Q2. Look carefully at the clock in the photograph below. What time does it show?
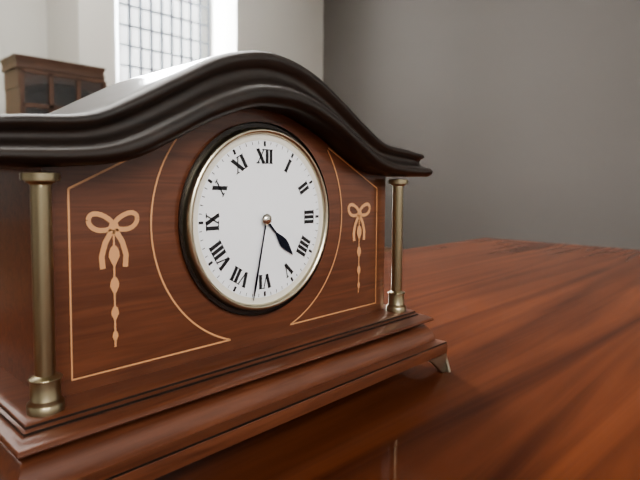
4:32
